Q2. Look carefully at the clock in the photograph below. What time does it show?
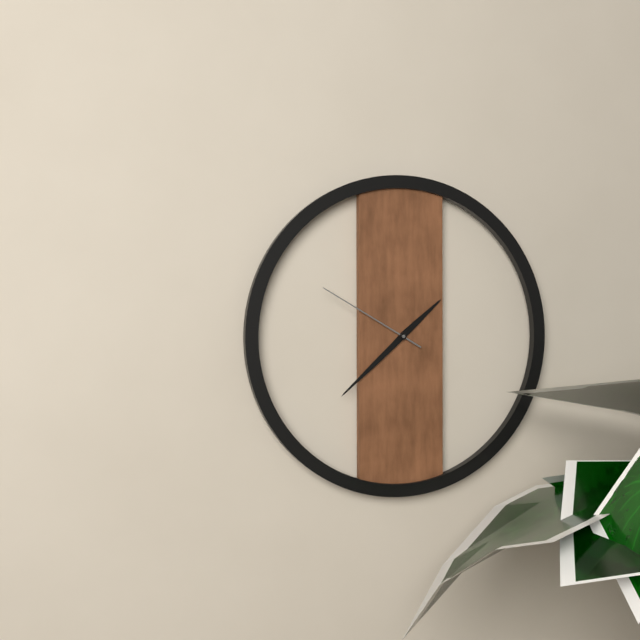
1:38:50
